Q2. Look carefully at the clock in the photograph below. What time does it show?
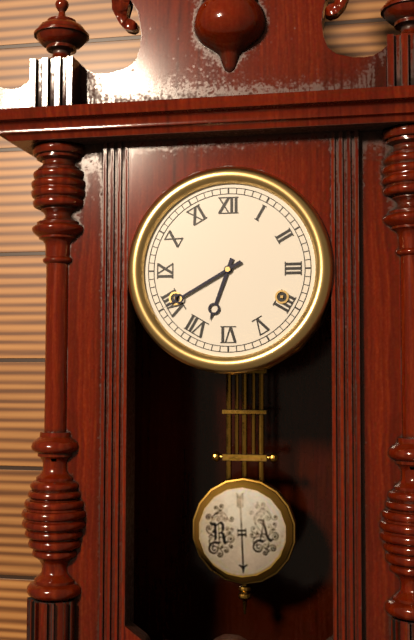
6:40
